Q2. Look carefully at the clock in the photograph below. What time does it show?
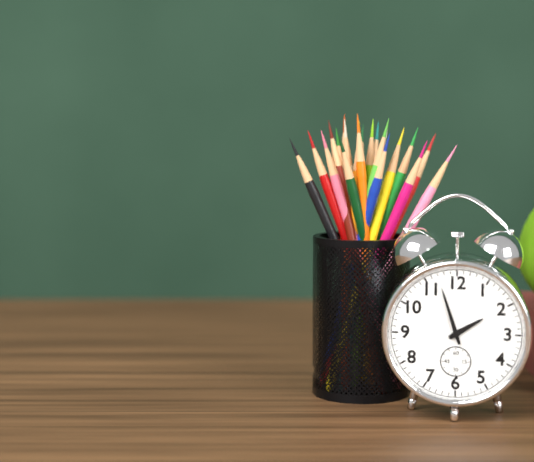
1:57
